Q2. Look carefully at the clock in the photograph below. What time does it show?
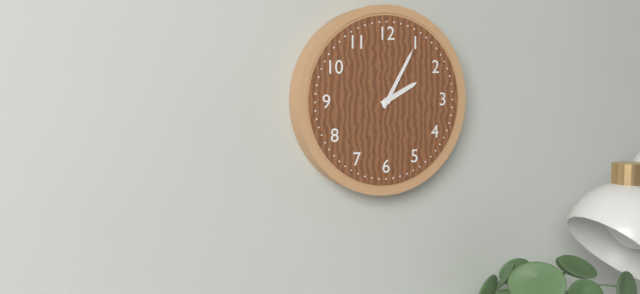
2:05
